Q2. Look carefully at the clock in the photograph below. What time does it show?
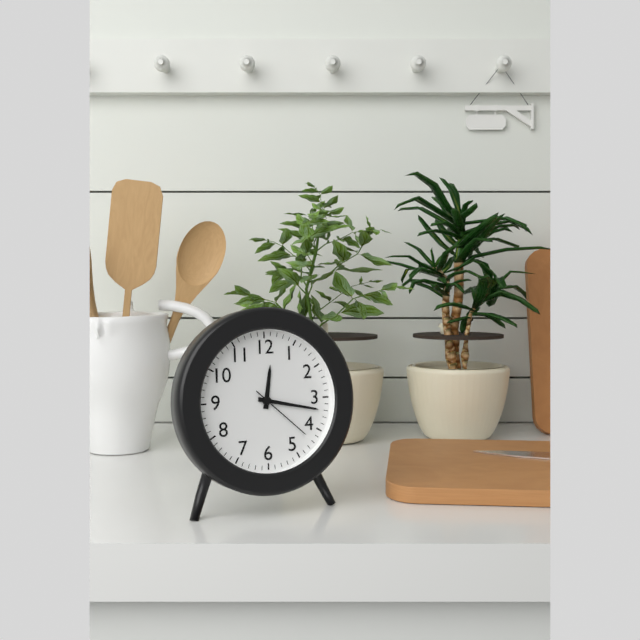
12:17:22
